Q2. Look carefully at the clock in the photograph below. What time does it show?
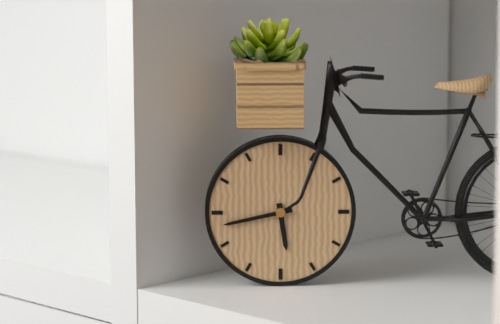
5:43
